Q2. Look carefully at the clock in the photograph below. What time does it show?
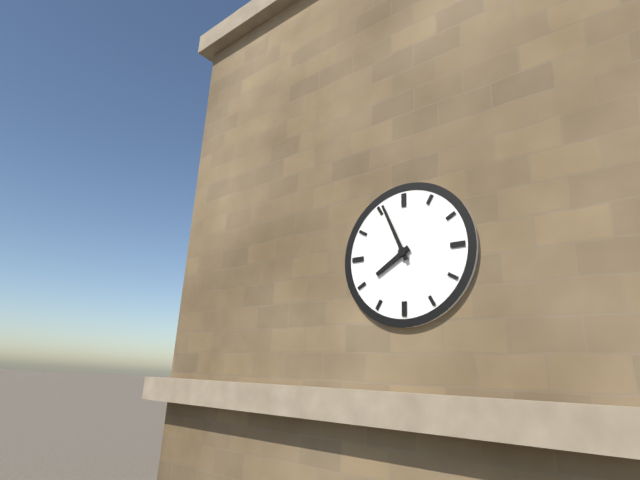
7:56
